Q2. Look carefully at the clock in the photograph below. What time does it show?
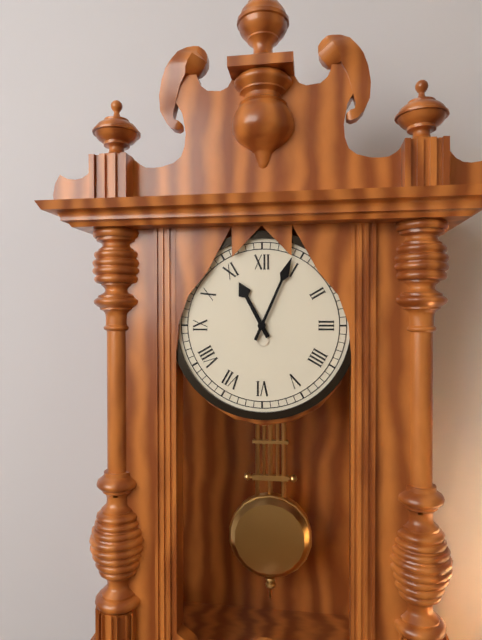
11:04
